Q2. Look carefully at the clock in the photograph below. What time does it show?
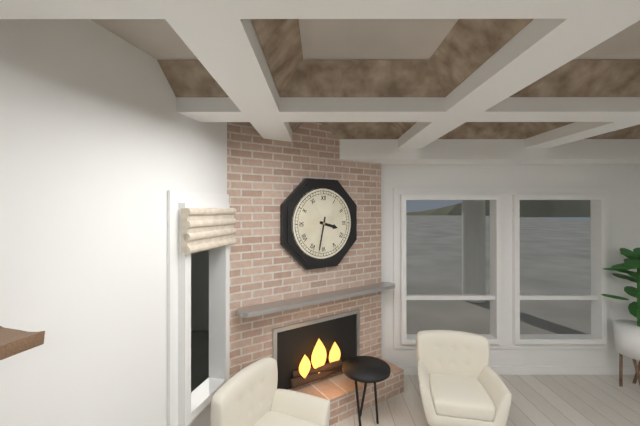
3:32
